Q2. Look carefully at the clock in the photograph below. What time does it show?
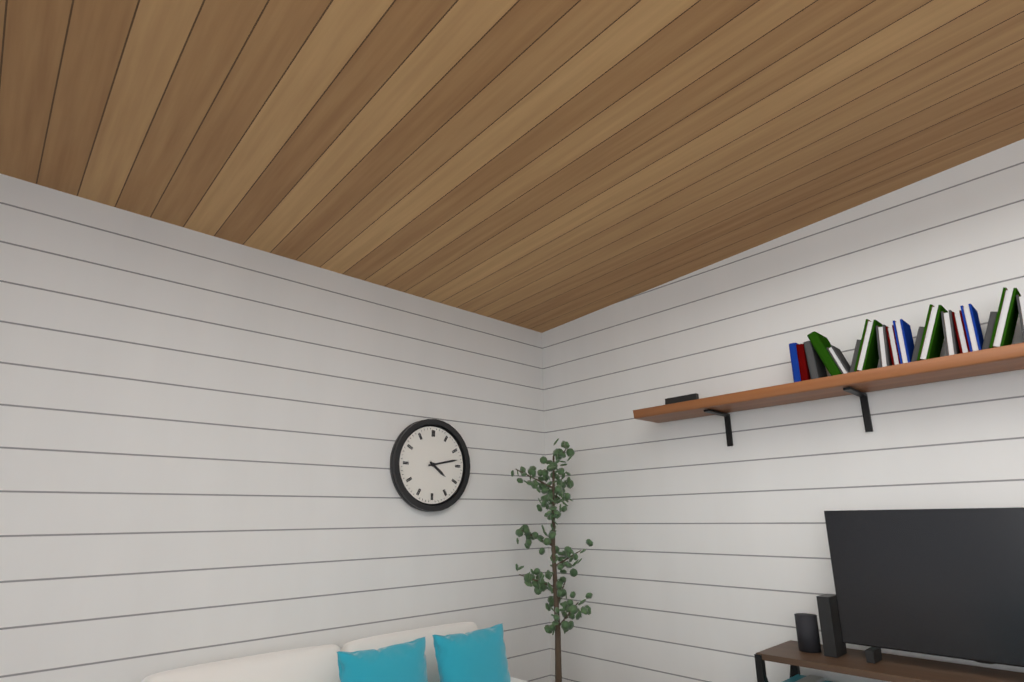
4:13
